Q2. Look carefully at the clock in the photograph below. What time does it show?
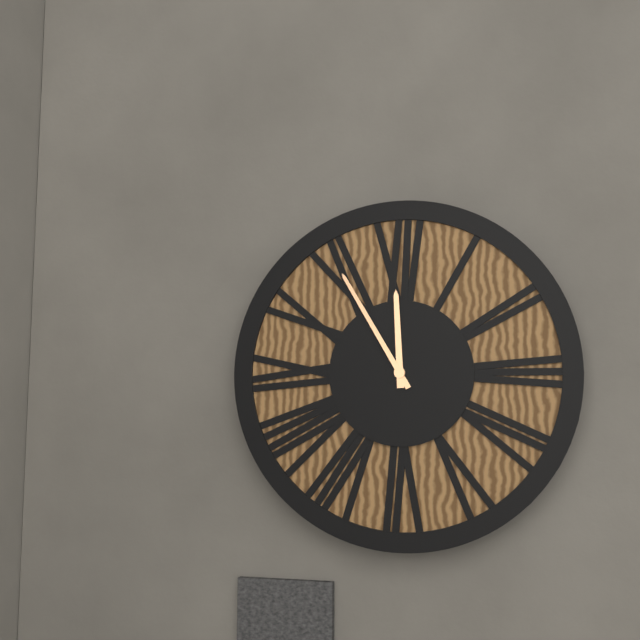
11:55
